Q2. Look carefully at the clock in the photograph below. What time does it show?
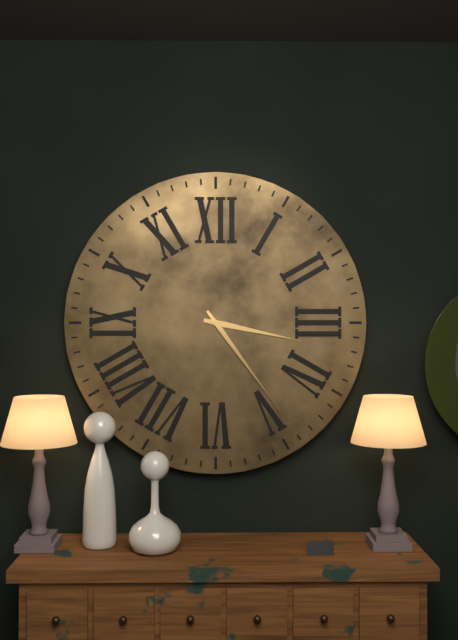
3:24
